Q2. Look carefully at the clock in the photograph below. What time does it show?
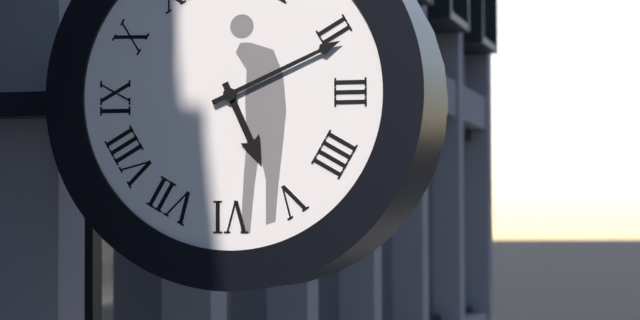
5:11
